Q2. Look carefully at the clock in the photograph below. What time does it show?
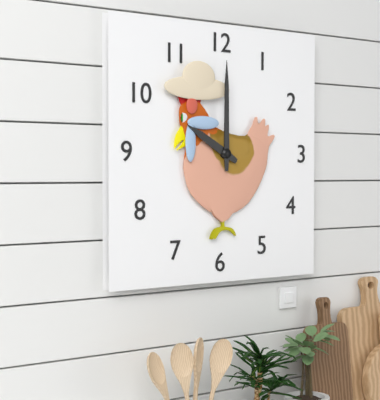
10:00
